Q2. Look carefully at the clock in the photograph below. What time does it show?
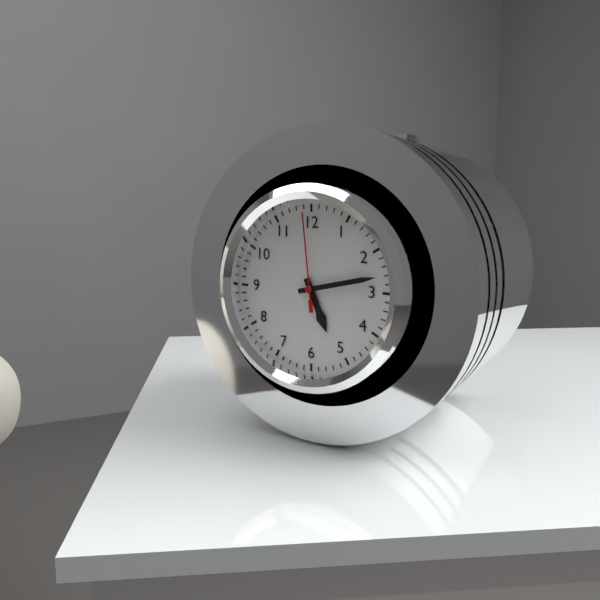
5:13:59
